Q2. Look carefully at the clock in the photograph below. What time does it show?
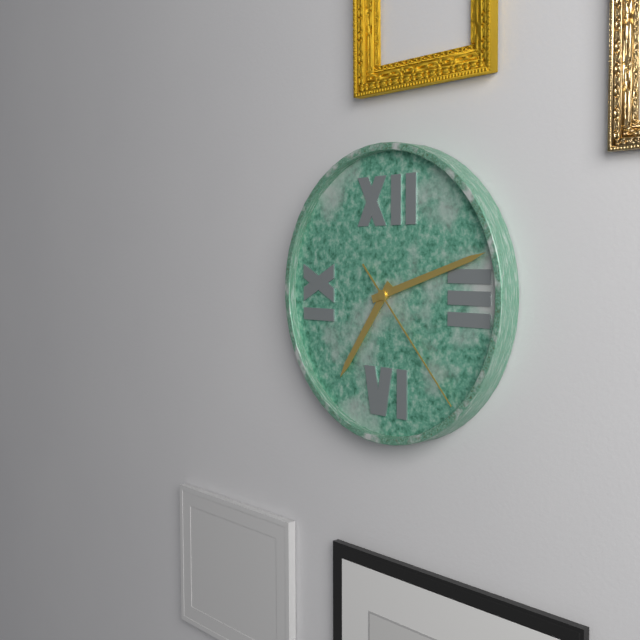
7:12:23
